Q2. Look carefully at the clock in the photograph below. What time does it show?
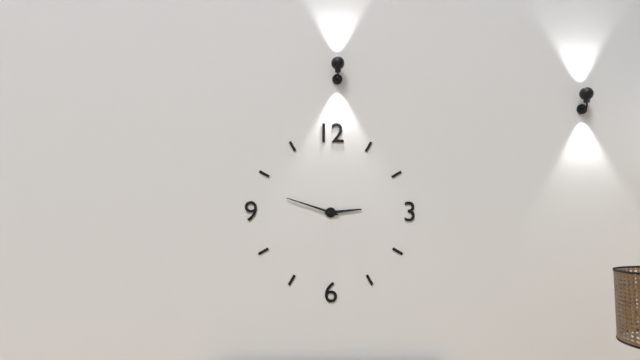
2:48
